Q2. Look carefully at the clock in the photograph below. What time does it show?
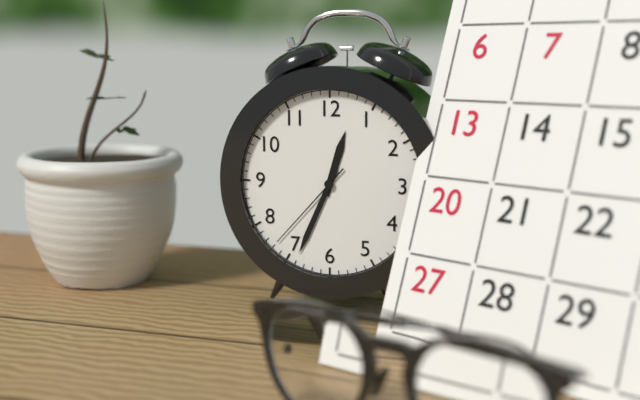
12:34:37
